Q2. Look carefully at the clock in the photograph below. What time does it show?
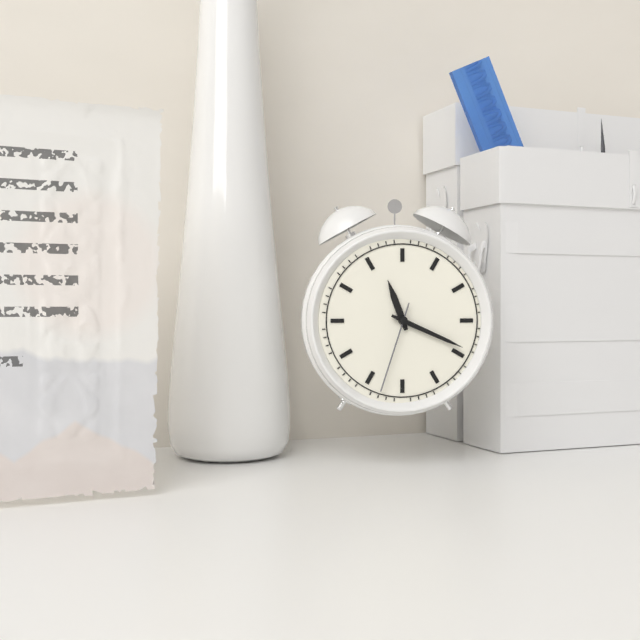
11:19:33
